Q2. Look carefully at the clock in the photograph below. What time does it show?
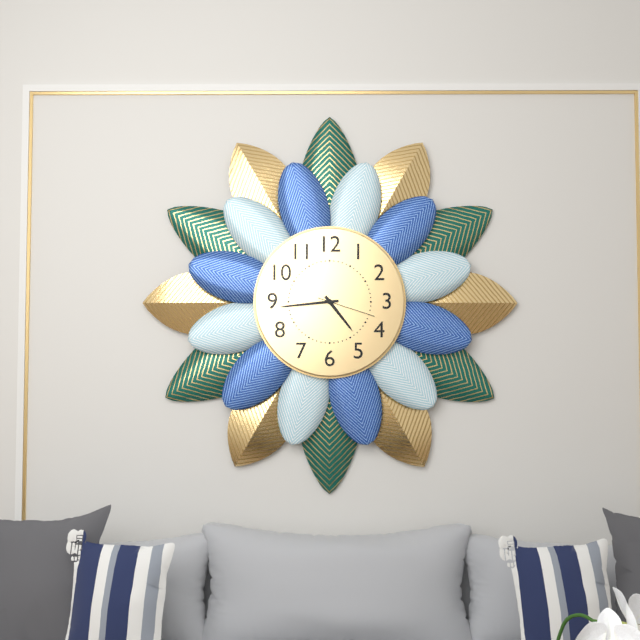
4:44:18
